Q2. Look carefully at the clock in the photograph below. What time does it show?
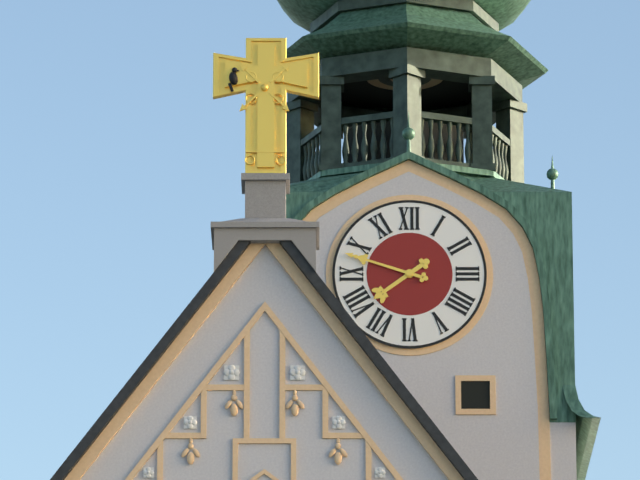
7:48
